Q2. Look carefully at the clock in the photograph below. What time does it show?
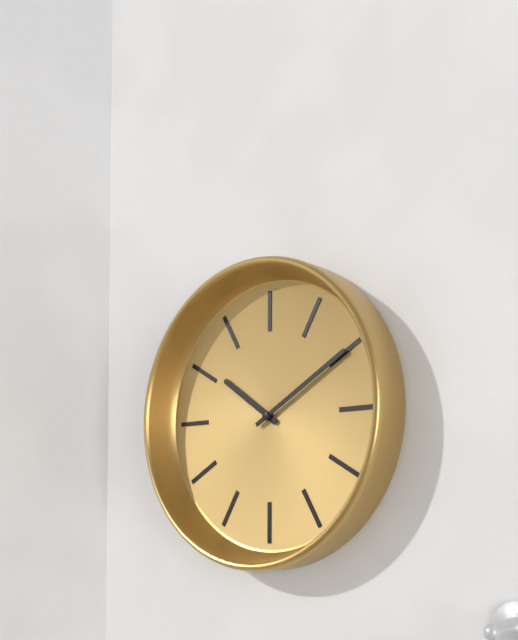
10:10
